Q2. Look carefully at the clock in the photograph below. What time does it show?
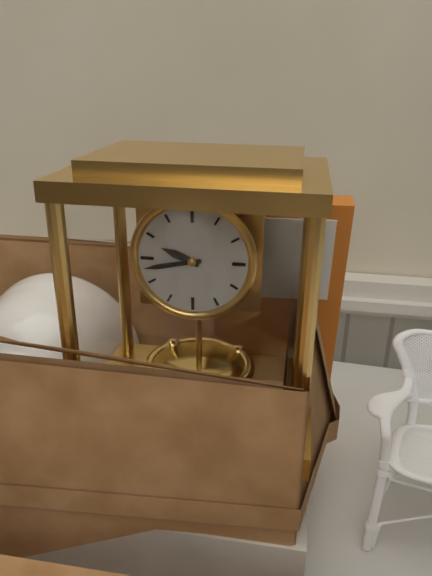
9:43
